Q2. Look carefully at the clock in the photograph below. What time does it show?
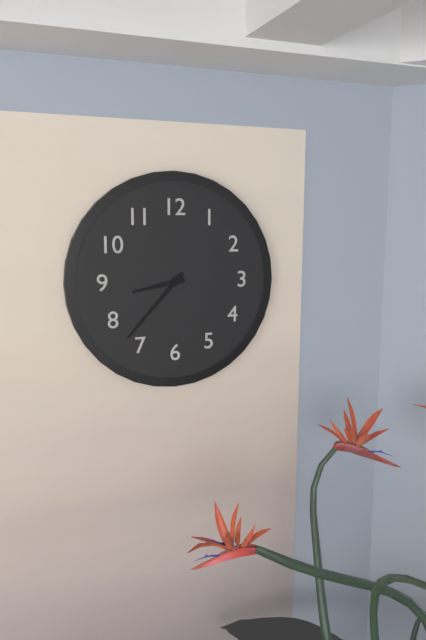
8:37
